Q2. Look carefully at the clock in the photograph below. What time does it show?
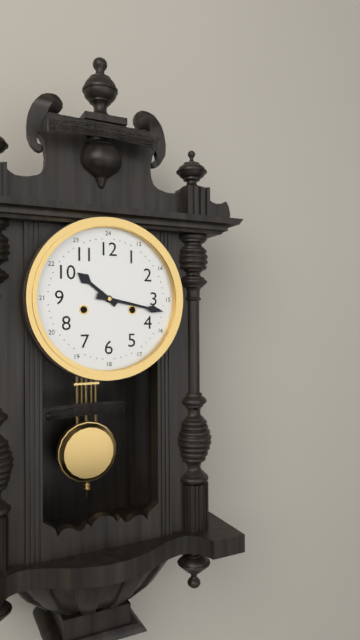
10:17
